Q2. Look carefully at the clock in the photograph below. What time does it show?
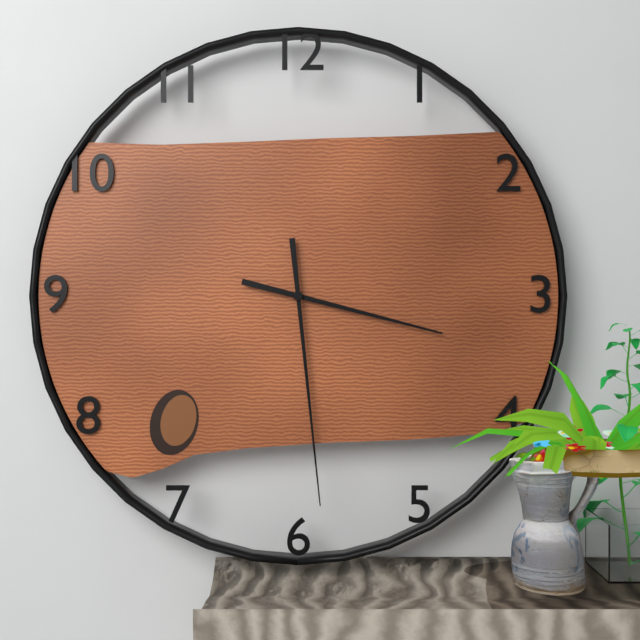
3:29
